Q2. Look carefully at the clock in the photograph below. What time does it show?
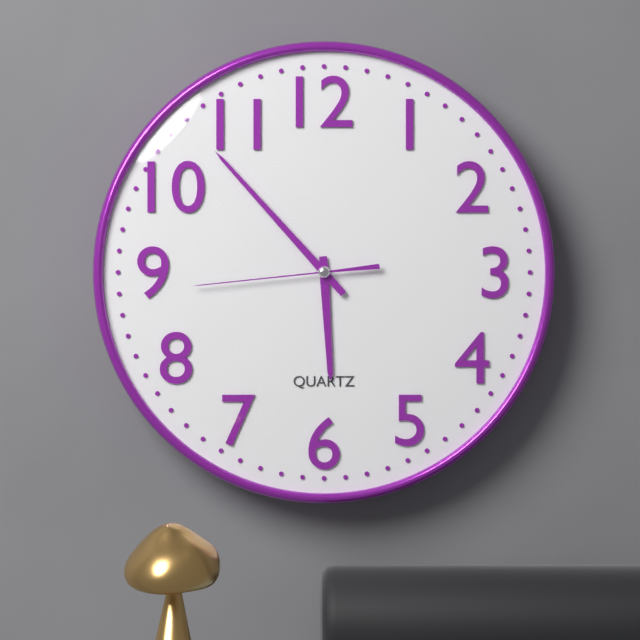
5:53:44
